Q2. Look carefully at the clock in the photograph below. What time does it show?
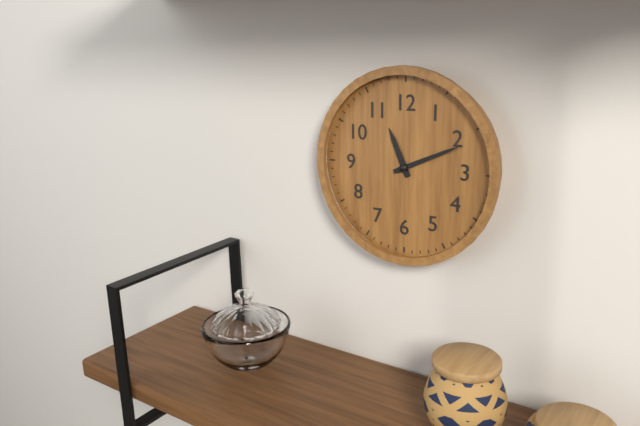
11:11
